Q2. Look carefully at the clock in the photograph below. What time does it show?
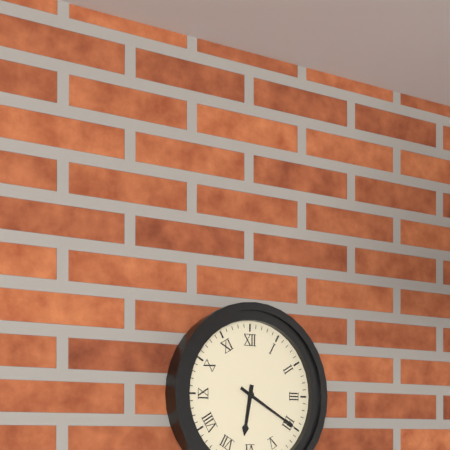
6:20
